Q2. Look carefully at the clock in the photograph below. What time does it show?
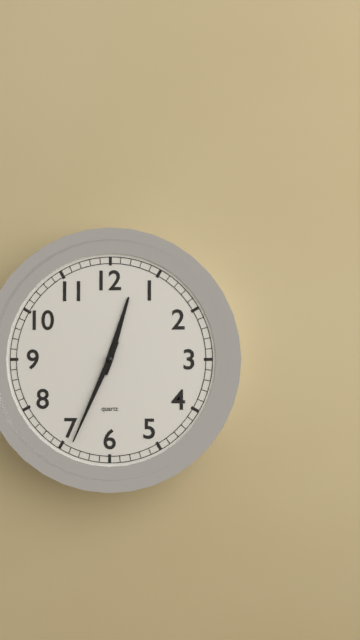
12:34
